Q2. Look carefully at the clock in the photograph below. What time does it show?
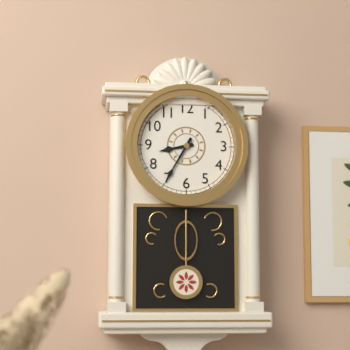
8:35
